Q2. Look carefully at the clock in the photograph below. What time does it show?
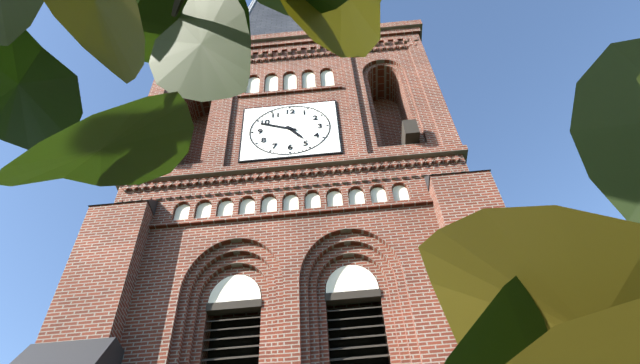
4:49
